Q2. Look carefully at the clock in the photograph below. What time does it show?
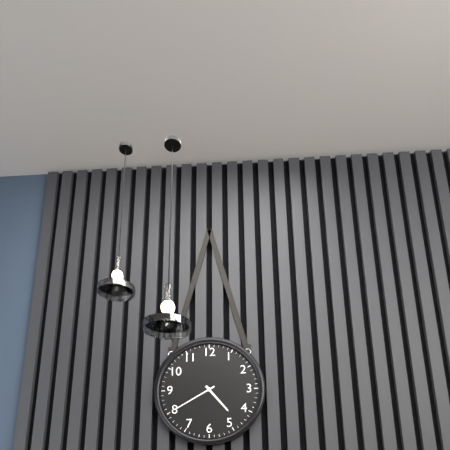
4:40
